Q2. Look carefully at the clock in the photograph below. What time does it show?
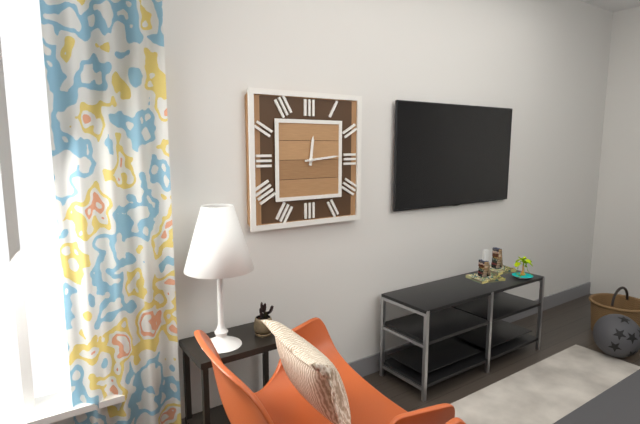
12:14
